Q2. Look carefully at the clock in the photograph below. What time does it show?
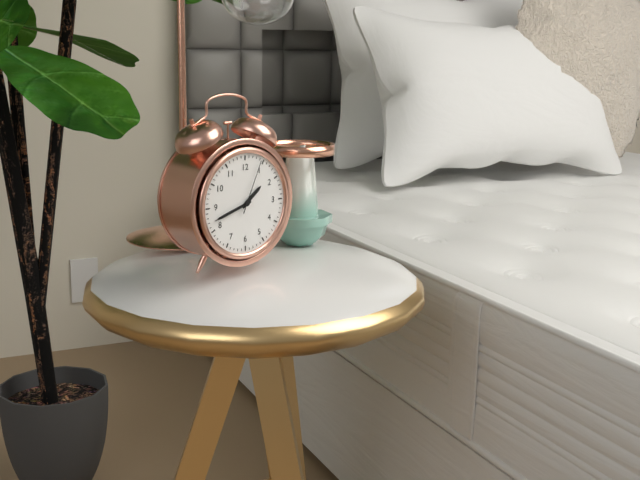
1:42:04
